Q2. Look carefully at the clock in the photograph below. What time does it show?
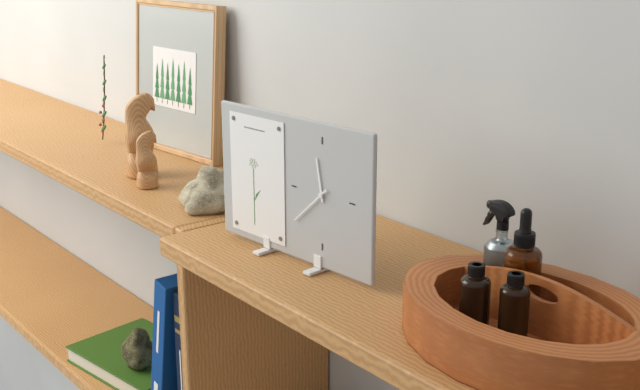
11:38
